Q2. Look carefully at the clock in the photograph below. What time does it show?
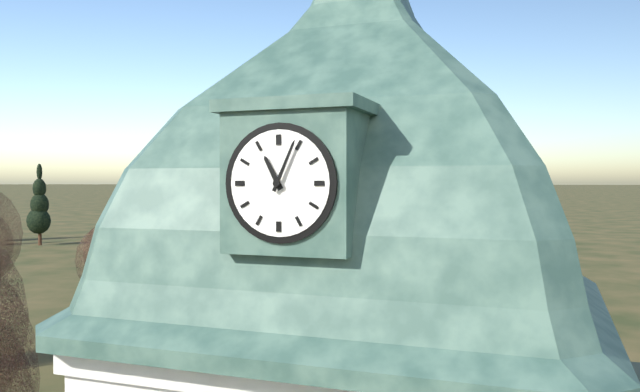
11:04
